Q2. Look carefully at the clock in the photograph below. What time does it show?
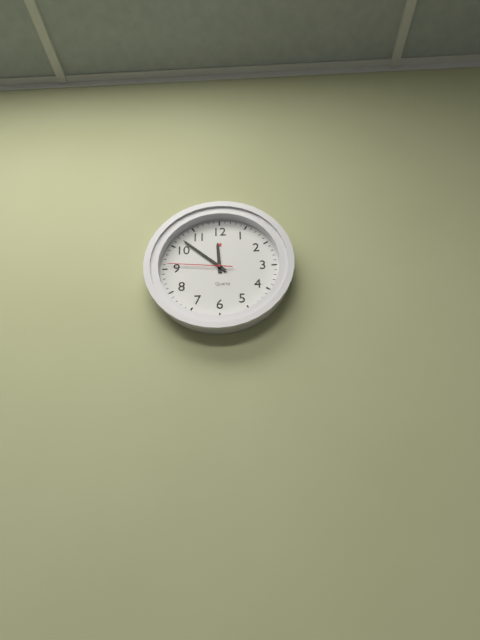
11:52:46
